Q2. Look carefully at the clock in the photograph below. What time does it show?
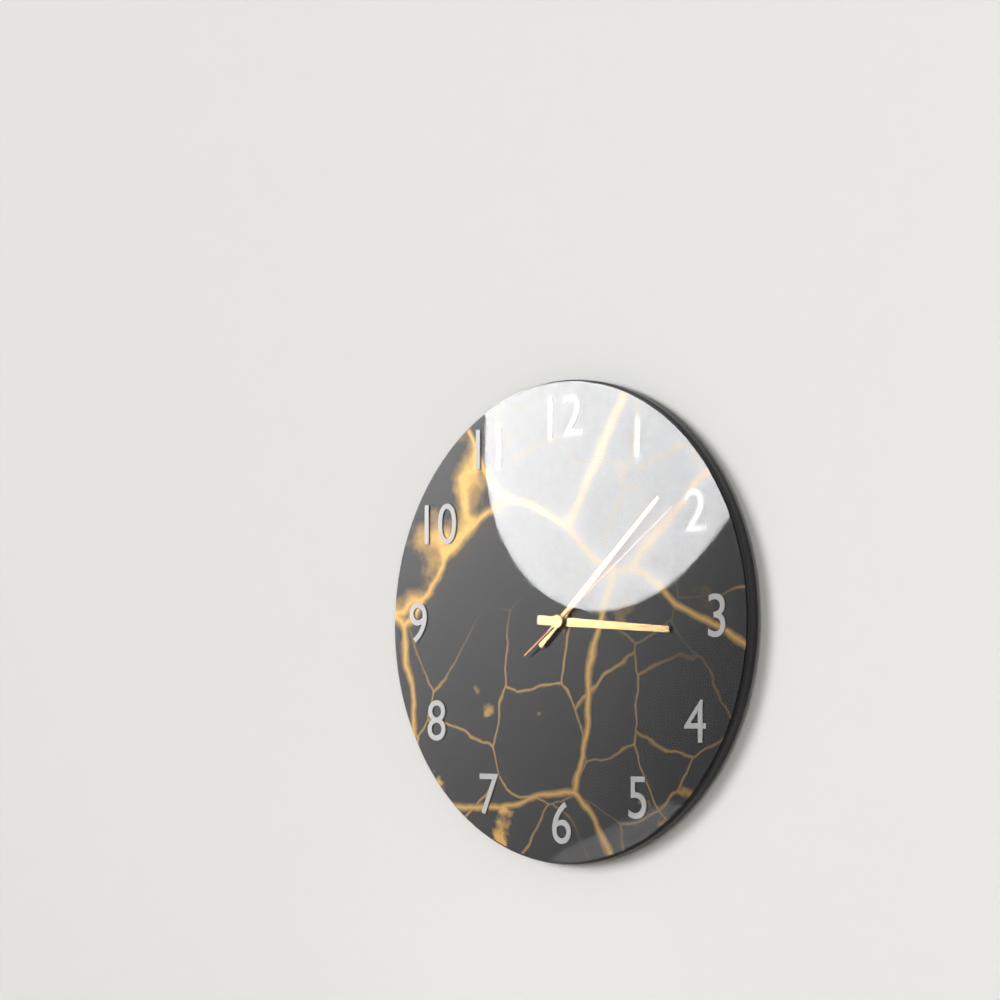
3:08:09
